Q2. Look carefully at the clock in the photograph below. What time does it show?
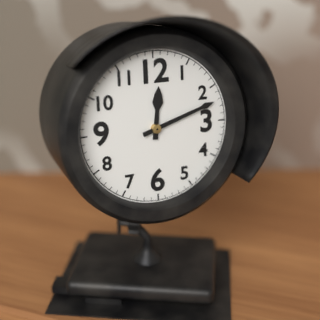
12:12
